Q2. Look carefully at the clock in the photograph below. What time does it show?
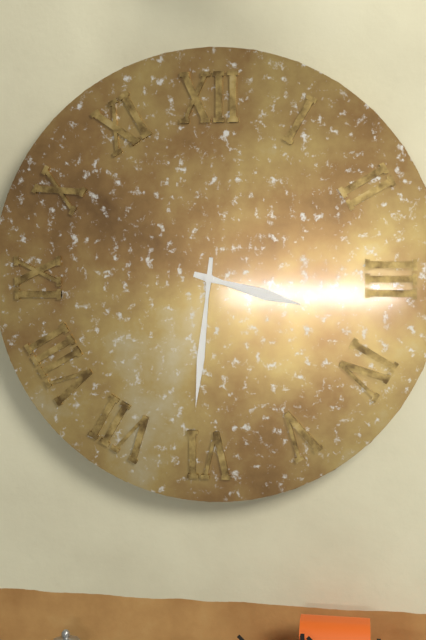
3:31
